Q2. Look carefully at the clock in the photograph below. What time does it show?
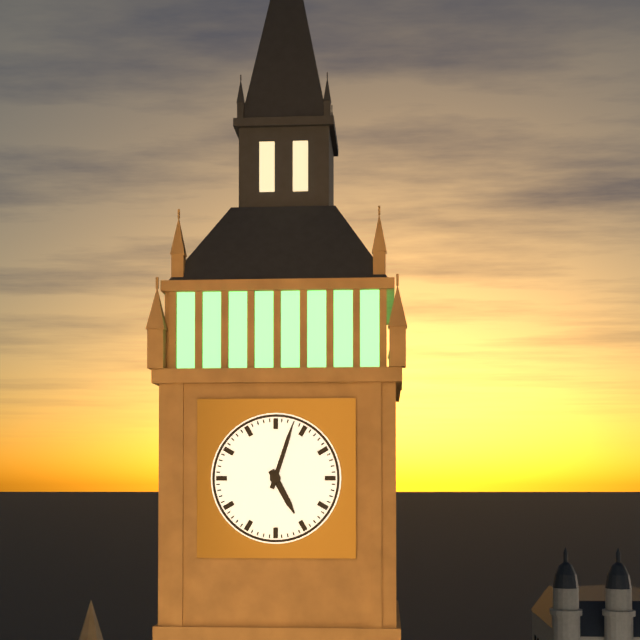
5:03
